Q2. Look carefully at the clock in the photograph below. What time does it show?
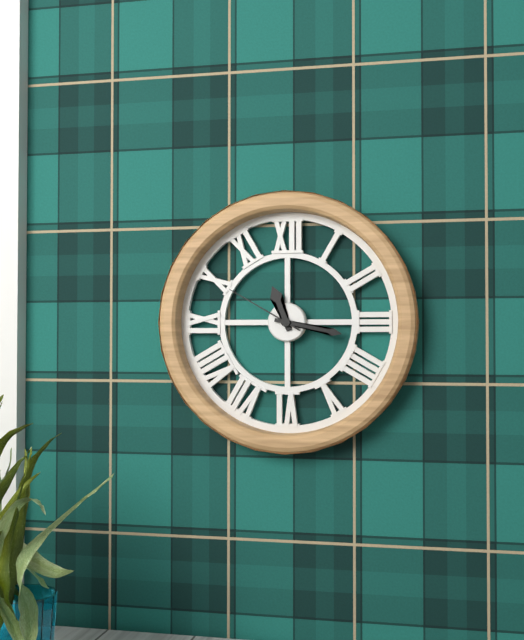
11:17:50
